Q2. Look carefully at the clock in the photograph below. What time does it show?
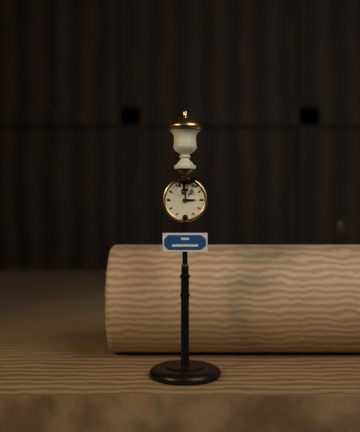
3:01
